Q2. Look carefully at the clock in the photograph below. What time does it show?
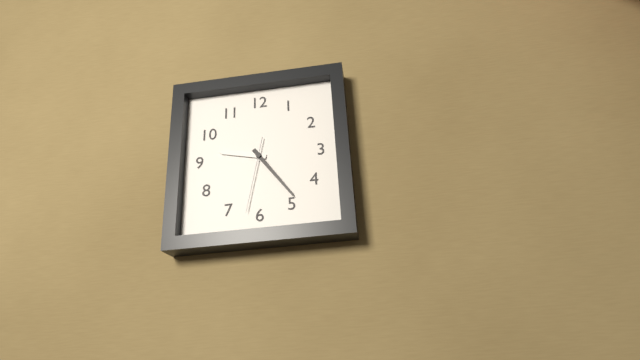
9:24:32
